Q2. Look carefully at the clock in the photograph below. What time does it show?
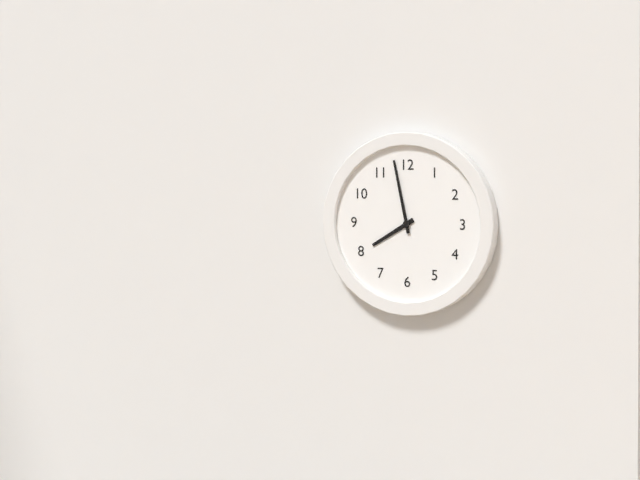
7:58
